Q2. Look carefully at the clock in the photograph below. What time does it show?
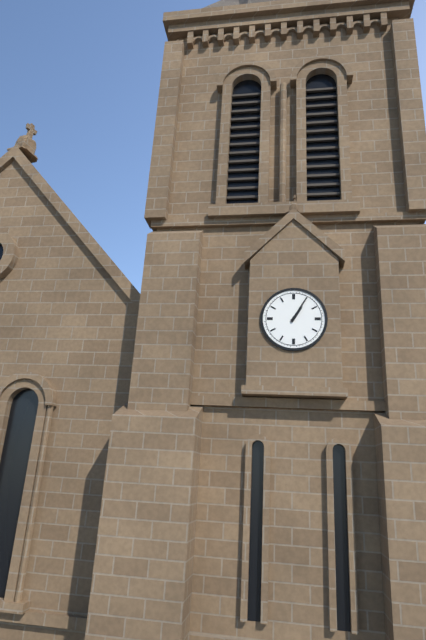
1:05
